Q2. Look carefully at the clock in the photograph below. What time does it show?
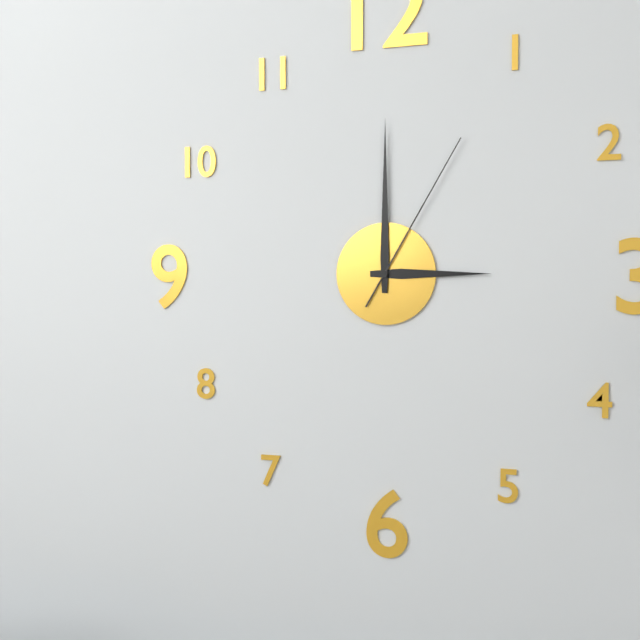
3:00:05
